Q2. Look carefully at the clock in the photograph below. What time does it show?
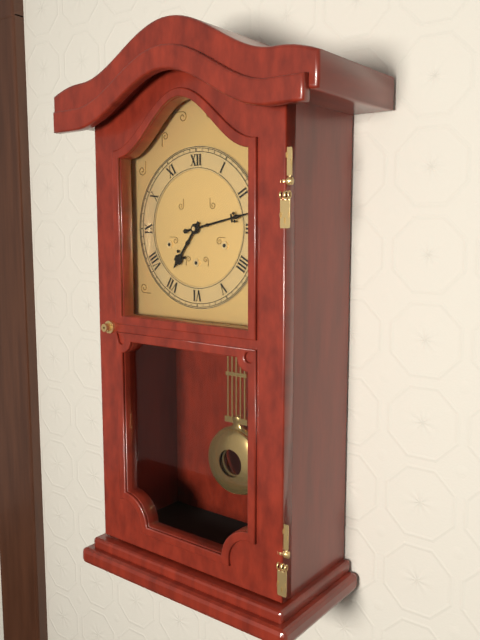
7:13
